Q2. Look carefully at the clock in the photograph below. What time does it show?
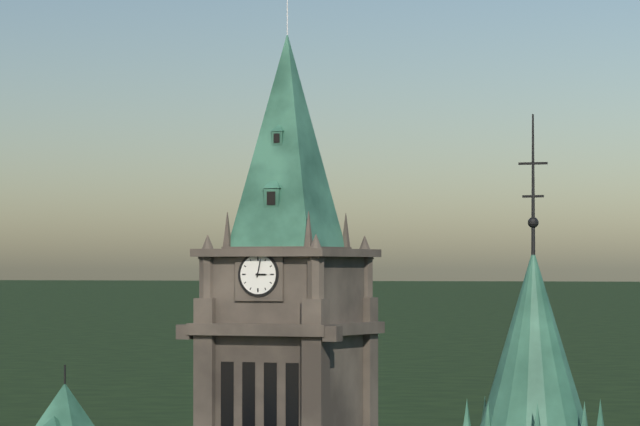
3:02
